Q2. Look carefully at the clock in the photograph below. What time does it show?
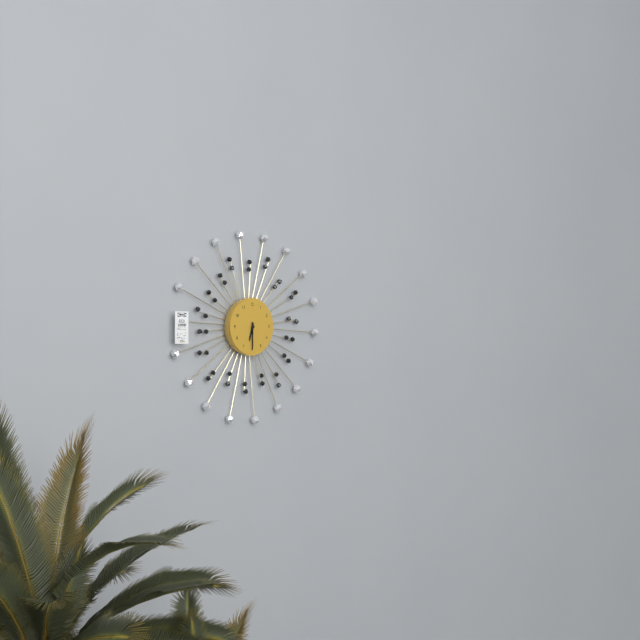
6:30
